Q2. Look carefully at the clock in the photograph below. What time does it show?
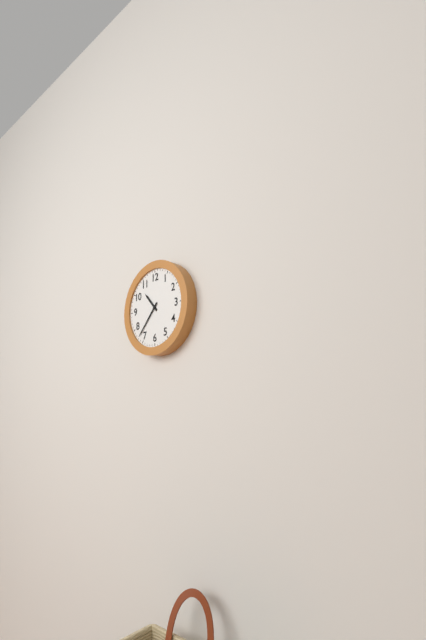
10:37
